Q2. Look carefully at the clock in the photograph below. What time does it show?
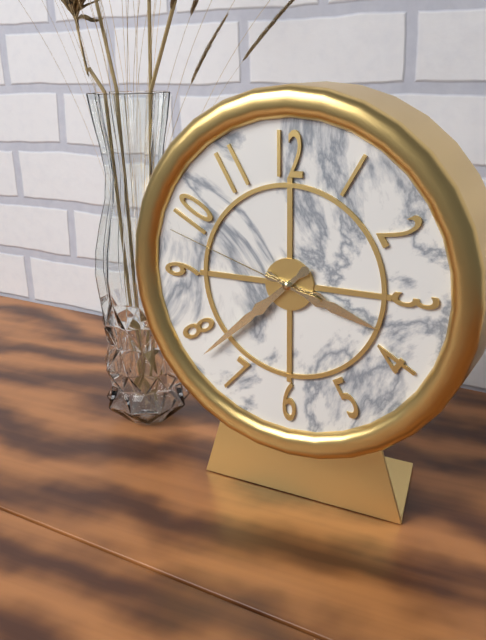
3:38:48
